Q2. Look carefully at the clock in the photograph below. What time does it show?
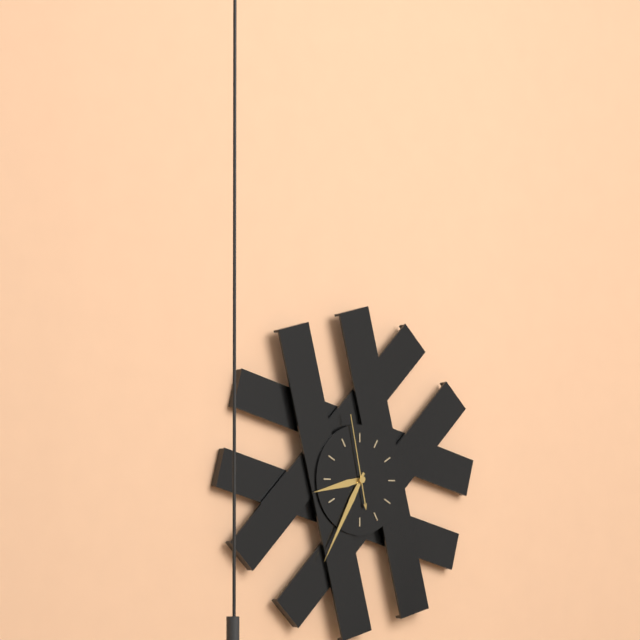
8:35:58
